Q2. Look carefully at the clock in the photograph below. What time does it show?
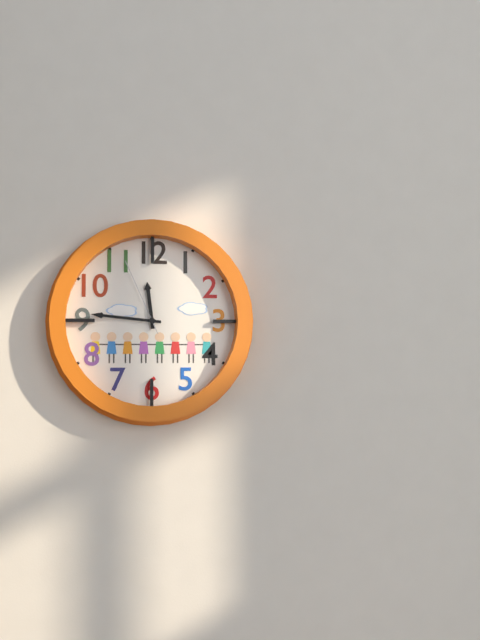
11:46:56
